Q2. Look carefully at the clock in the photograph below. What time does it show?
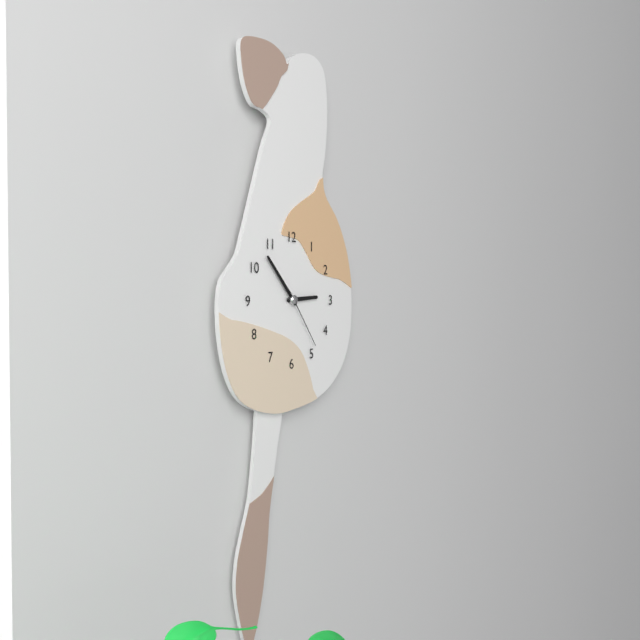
2:53:24
